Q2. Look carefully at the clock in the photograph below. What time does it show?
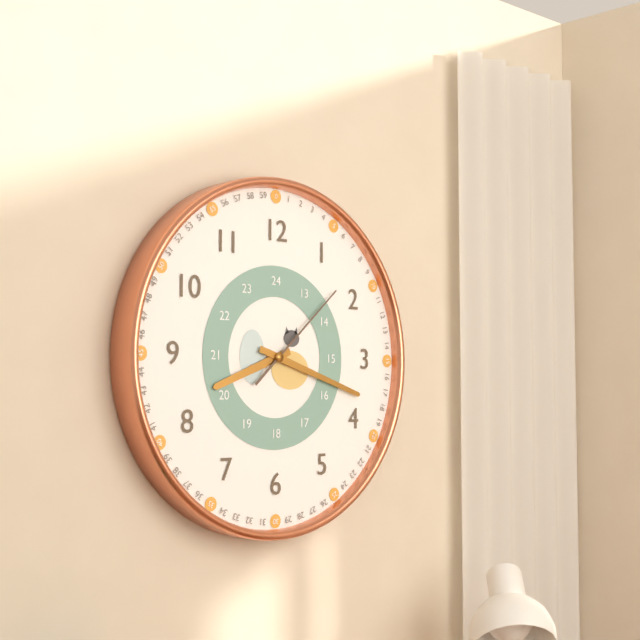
8:18:08
